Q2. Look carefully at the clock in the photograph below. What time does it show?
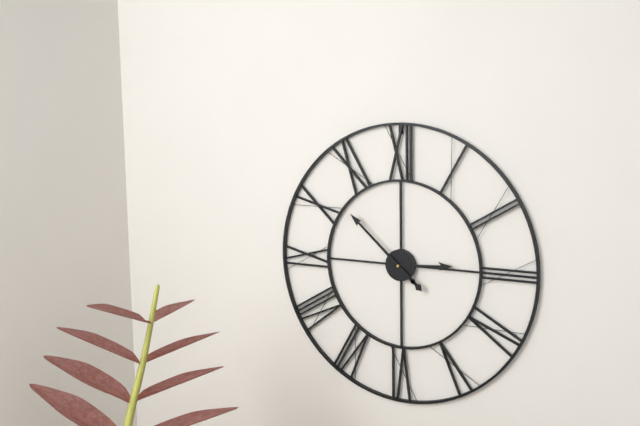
2:52
